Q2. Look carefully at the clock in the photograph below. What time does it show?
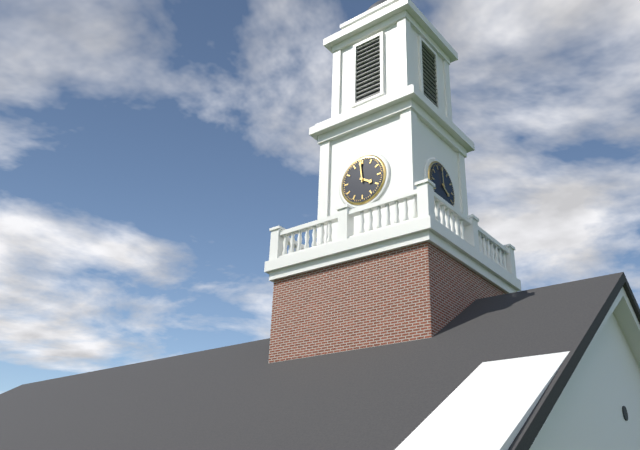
3:59
